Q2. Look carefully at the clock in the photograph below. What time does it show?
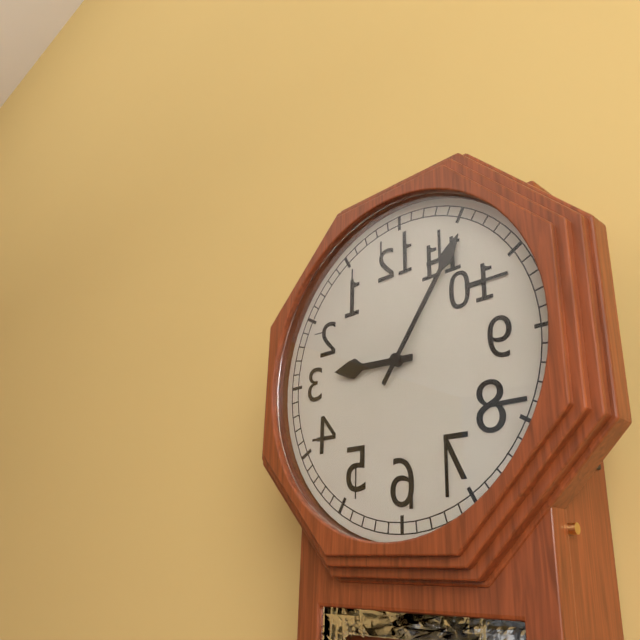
9:06
